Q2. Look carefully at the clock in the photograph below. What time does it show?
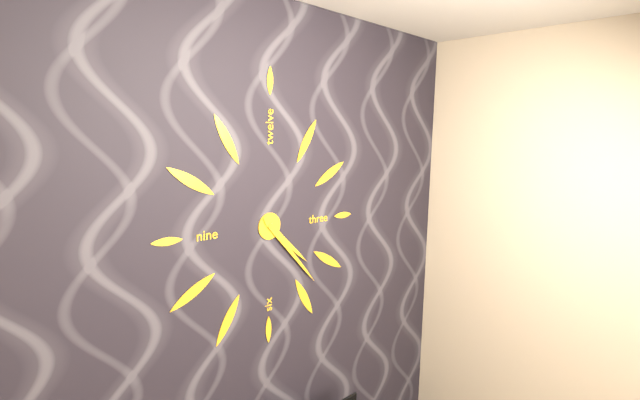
4:23
